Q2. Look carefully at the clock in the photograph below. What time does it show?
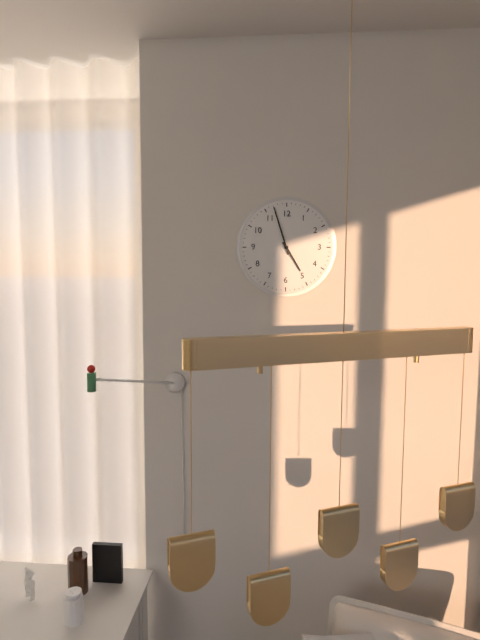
4:57
